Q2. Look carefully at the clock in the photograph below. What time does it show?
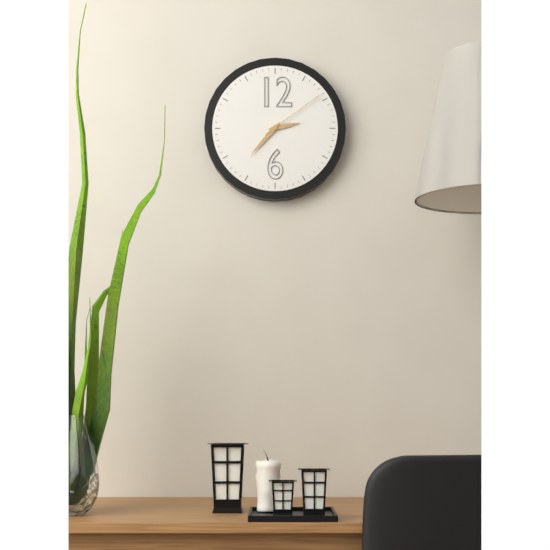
2:37:09
